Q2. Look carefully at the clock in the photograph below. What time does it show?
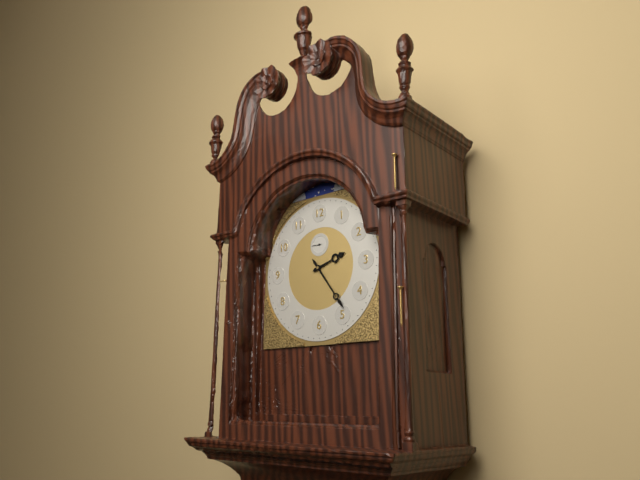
2:24
